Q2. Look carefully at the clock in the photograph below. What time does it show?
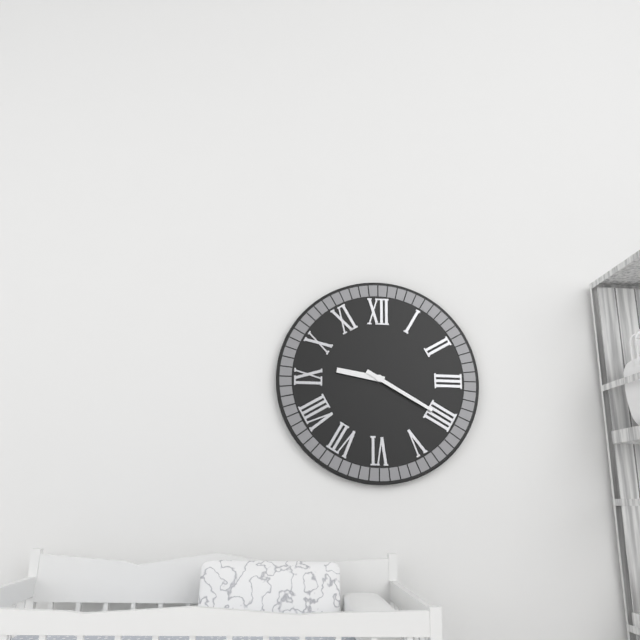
9:20
